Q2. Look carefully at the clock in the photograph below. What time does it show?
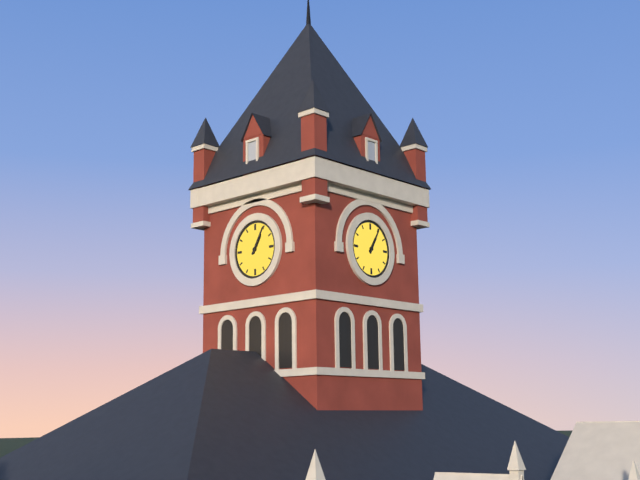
1:05
